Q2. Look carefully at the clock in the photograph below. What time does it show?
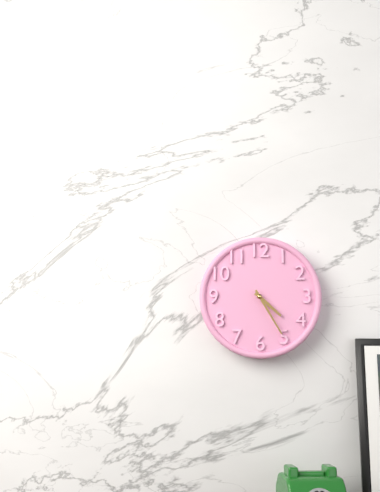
4:25
